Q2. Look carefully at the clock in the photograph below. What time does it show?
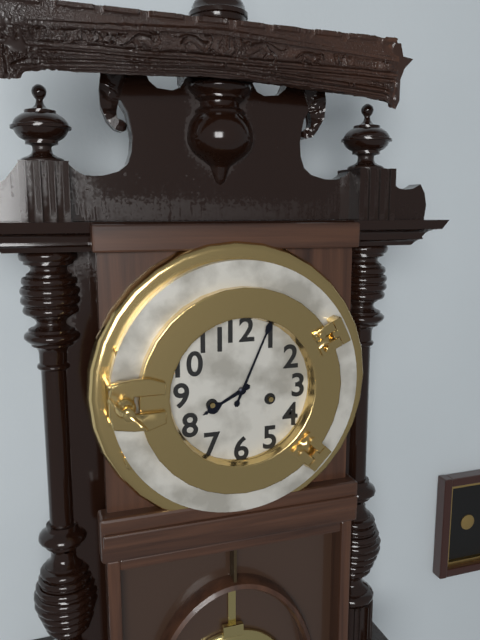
8:04
